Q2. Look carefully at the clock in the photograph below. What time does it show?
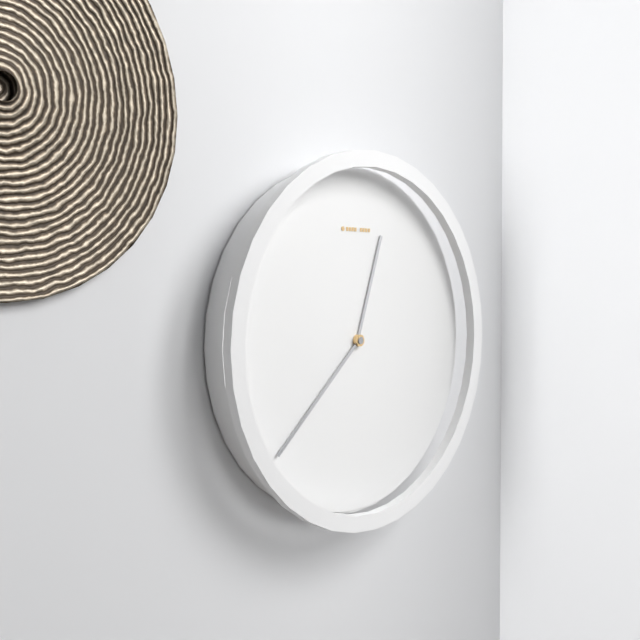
12:38
